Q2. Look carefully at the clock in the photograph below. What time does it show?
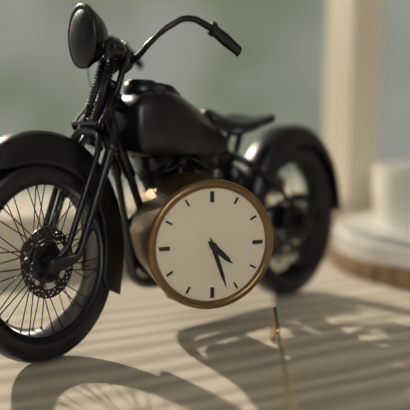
4:27
